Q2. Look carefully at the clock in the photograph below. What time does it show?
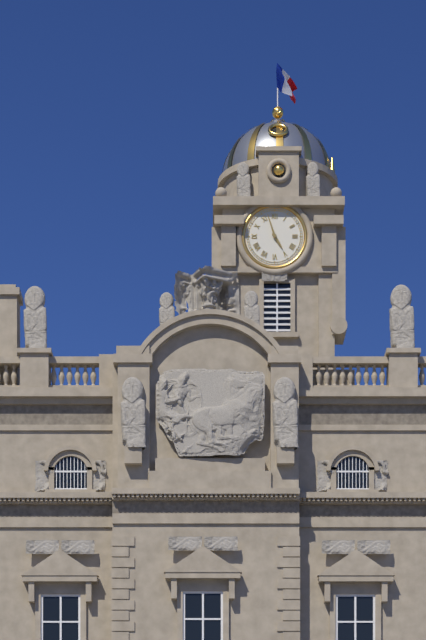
4:57
